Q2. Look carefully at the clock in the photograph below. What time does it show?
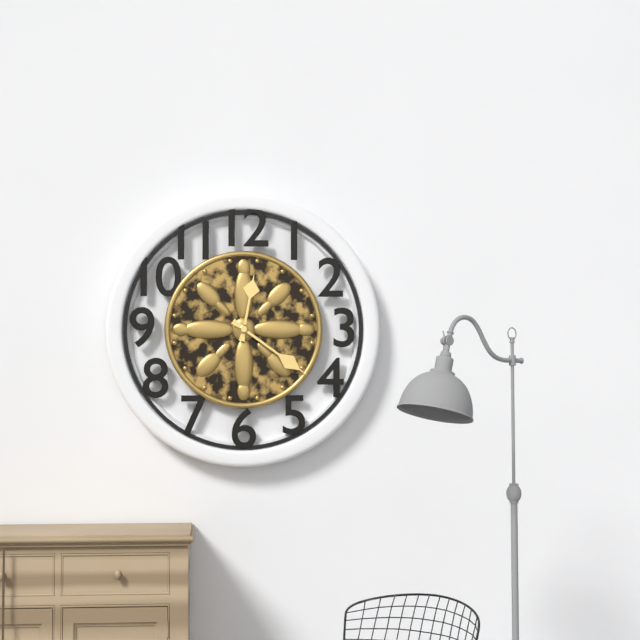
12:21
